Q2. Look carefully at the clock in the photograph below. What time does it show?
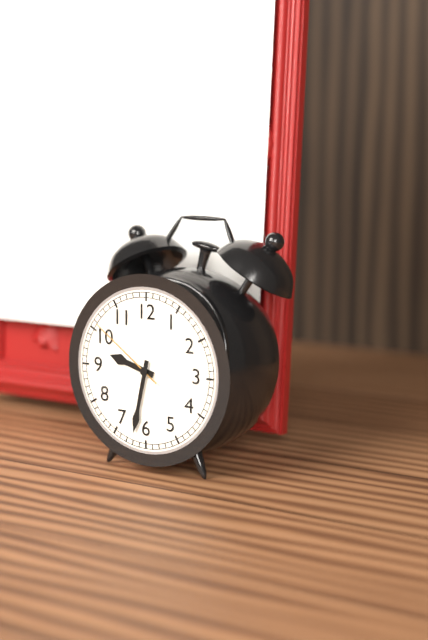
9:32:51
